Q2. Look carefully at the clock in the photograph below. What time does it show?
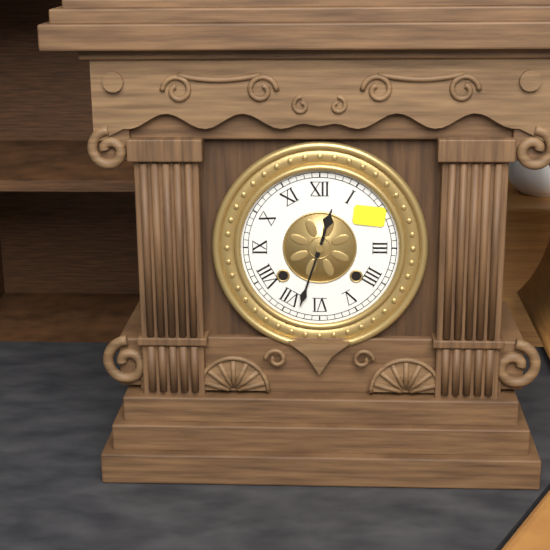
12:33
